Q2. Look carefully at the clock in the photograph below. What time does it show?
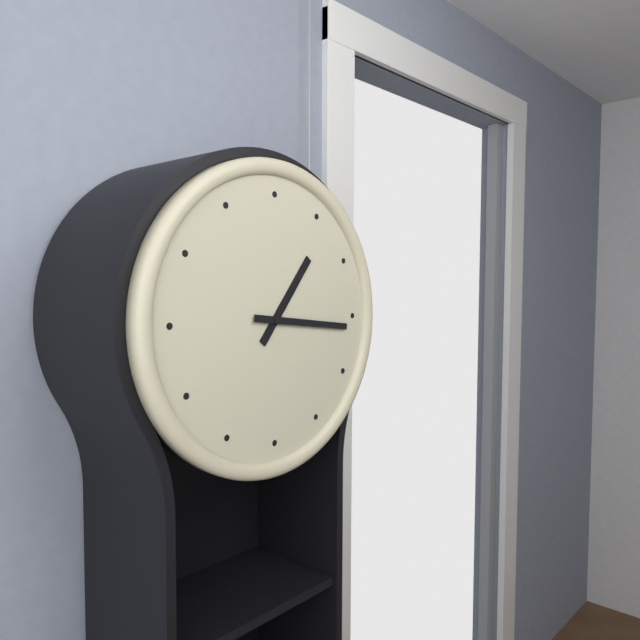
1:16
